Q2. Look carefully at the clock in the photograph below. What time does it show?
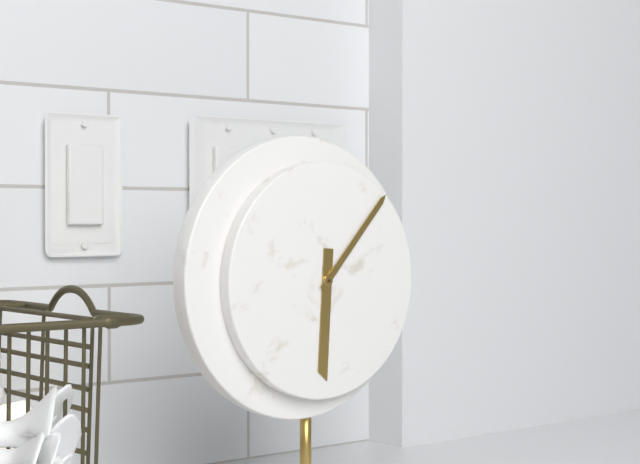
6:07
